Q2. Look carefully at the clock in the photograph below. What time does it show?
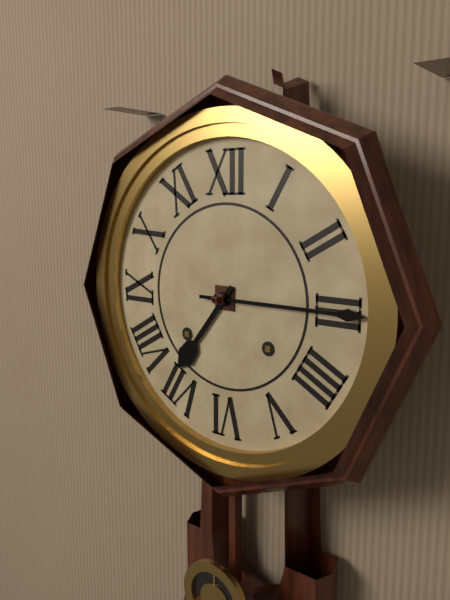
7:15
